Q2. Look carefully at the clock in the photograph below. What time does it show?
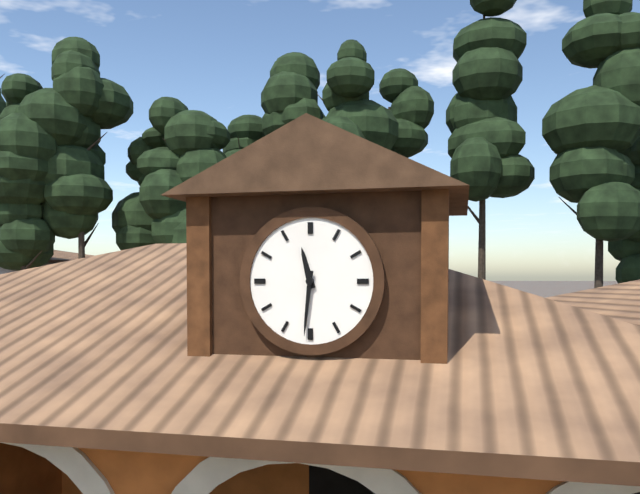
11:31
